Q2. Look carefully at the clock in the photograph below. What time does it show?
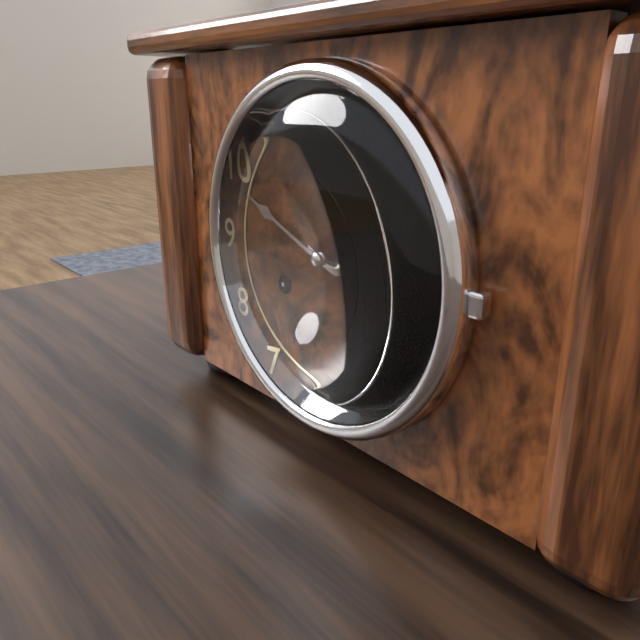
3:49
